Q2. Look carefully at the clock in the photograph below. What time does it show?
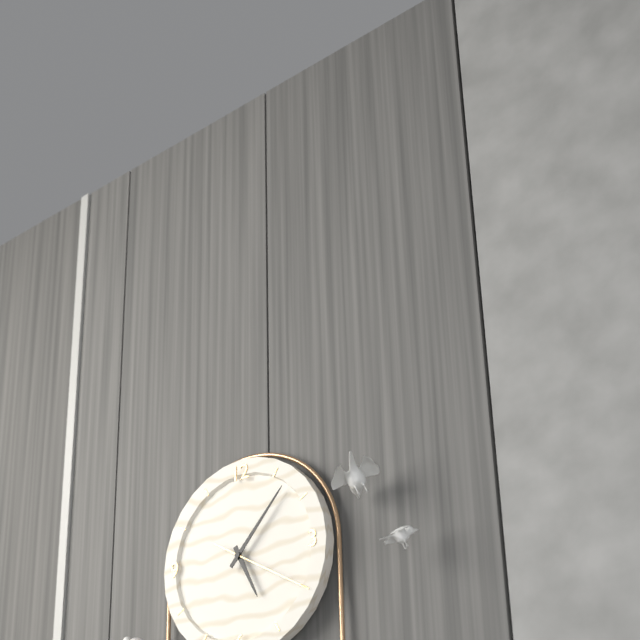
5:07:20
